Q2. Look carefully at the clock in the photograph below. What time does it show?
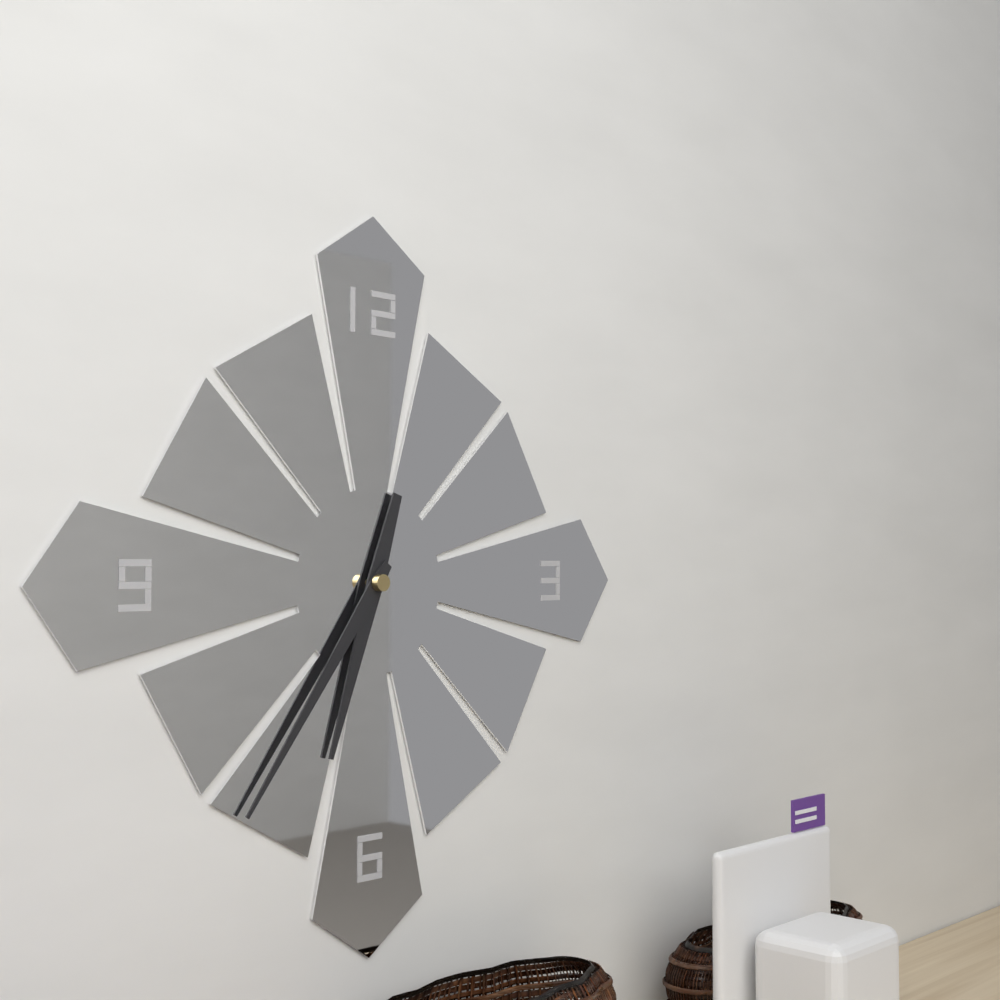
6:36
